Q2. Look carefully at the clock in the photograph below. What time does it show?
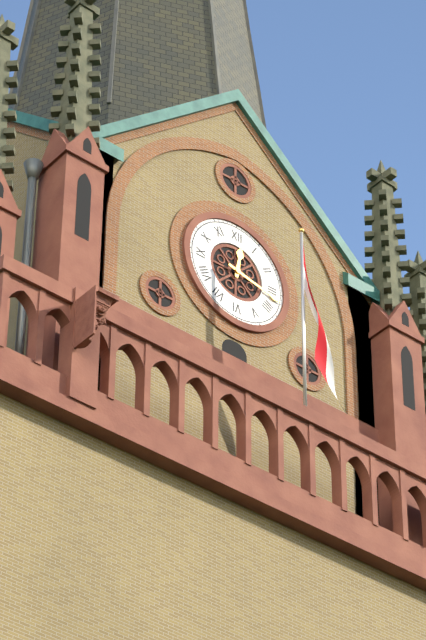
12:17
